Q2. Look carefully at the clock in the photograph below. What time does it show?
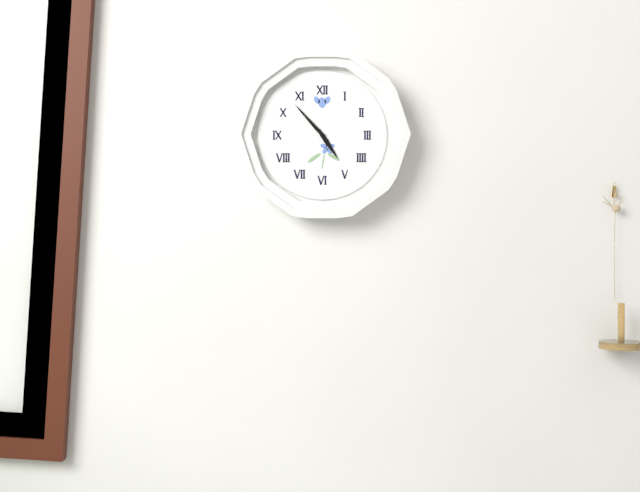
4:53
